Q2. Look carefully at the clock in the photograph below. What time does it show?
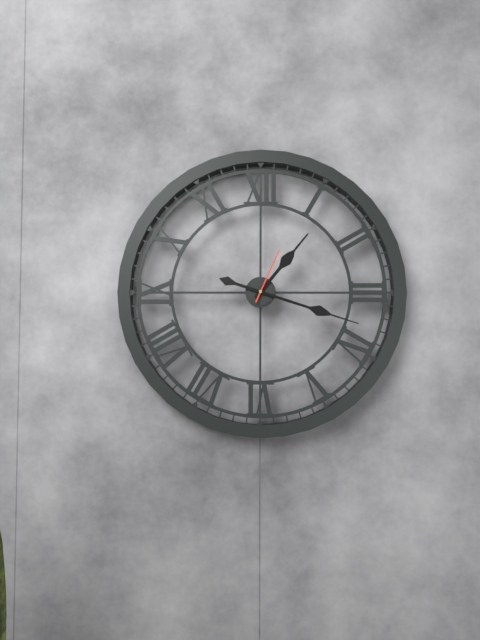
1:18:04
